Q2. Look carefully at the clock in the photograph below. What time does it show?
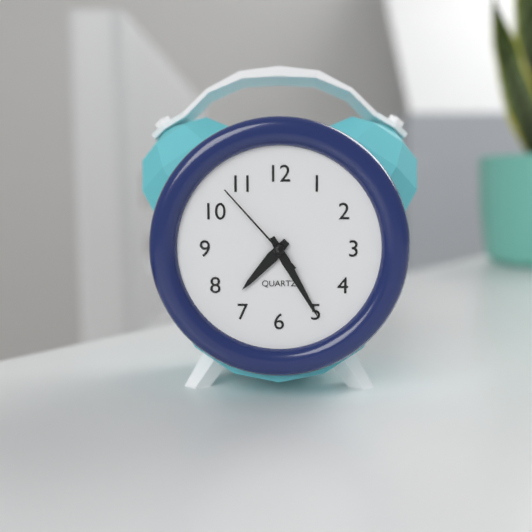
7:25:53
